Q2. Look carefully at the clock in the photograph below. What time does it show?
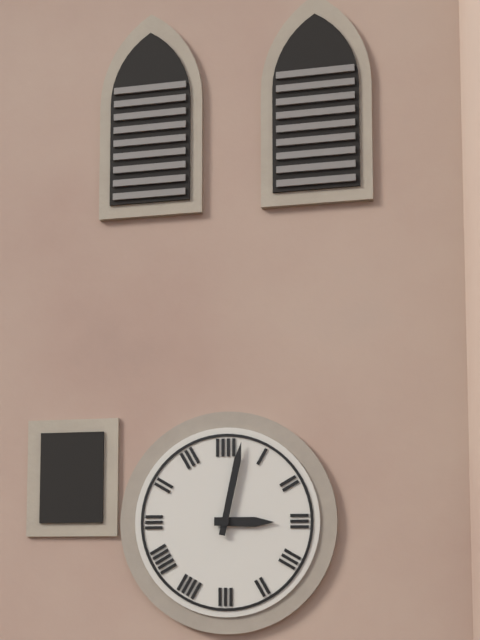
3:02
